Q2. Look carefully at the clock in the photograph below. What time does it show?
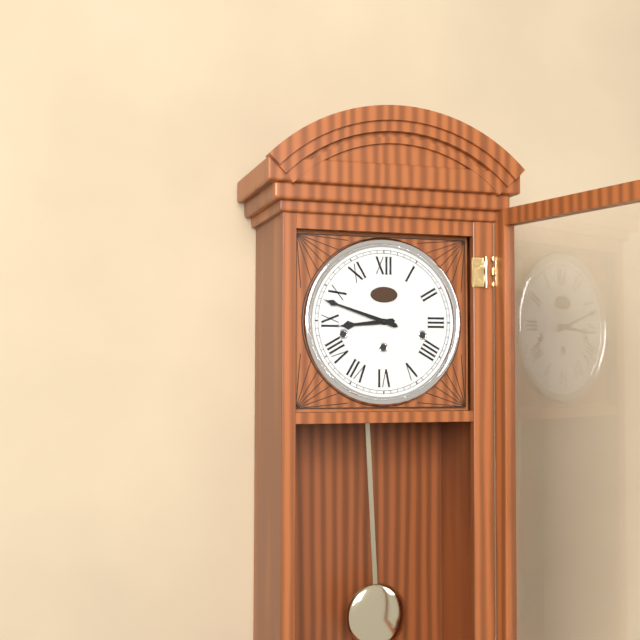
8:48
